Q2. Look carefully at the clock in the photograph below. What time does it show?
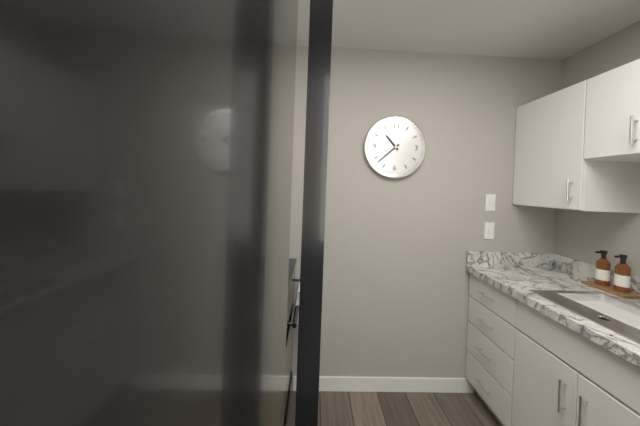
10:38
